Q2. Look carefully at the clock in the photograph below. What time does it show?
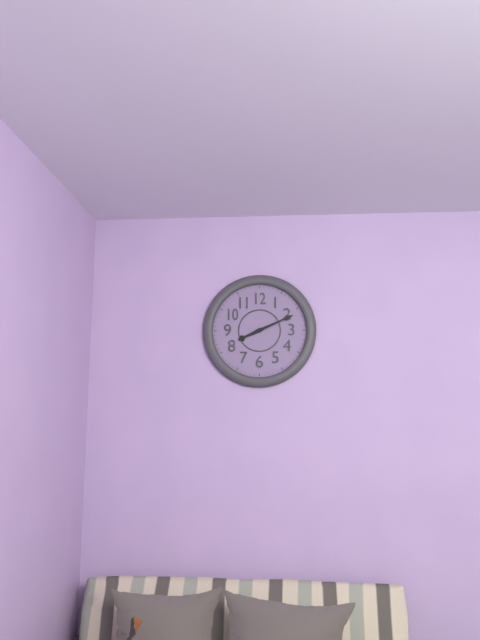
8:11
